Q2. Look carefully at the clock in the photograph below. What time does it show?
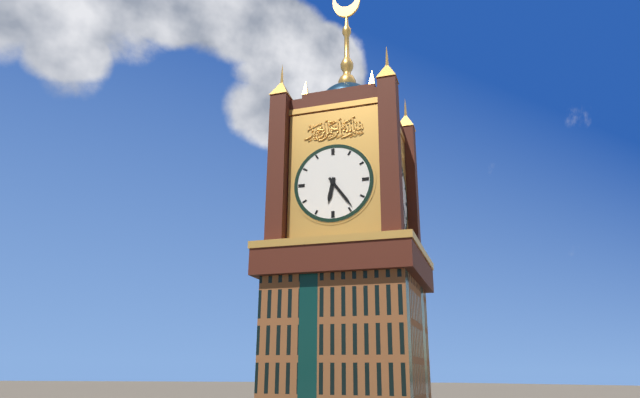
6:24
